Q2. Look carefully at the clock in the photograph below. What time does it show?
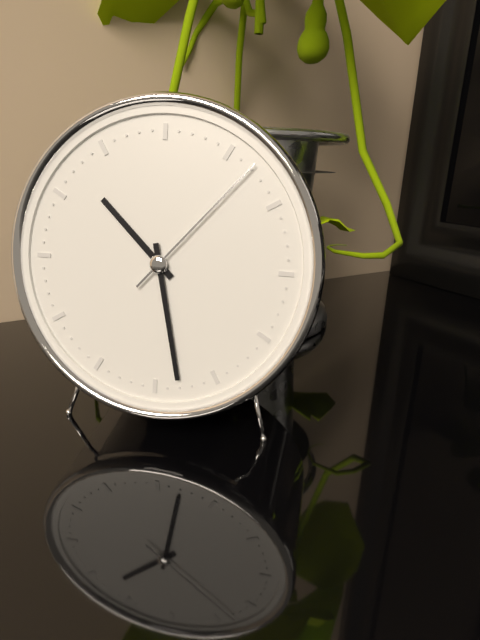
10:28:07
